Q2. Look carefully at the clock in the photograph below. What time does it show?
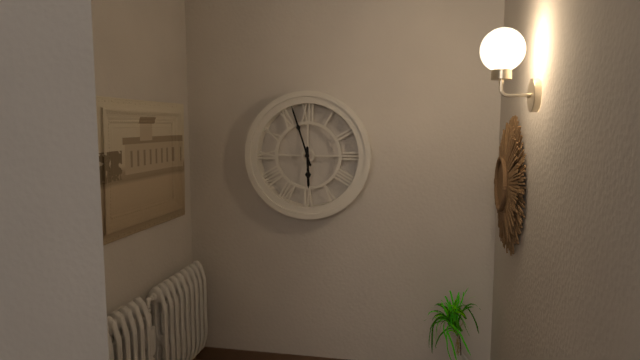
5:57
